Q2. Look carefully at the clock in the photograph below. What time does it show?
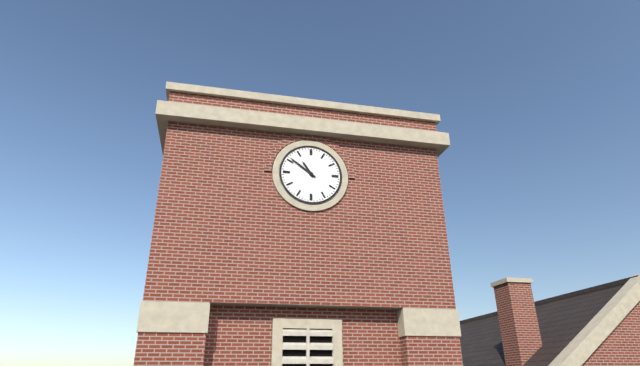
10:51
